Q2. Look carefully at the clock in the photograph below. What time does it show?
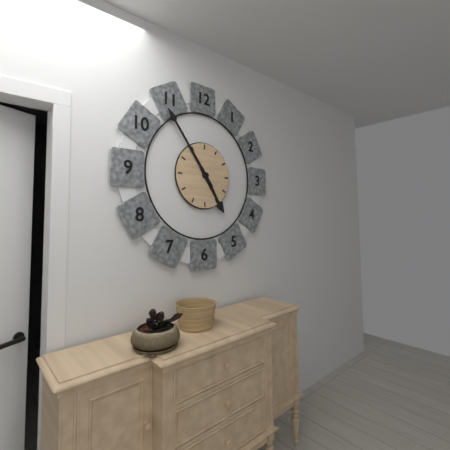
4:54
